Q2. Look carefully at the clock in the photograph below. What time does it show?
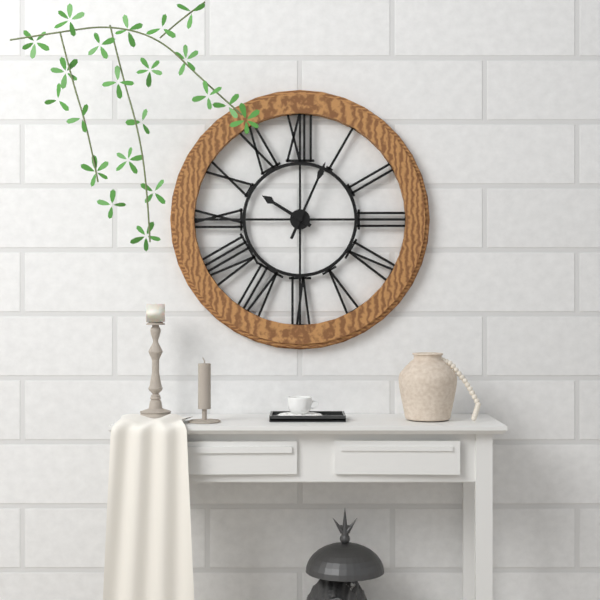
10:04
